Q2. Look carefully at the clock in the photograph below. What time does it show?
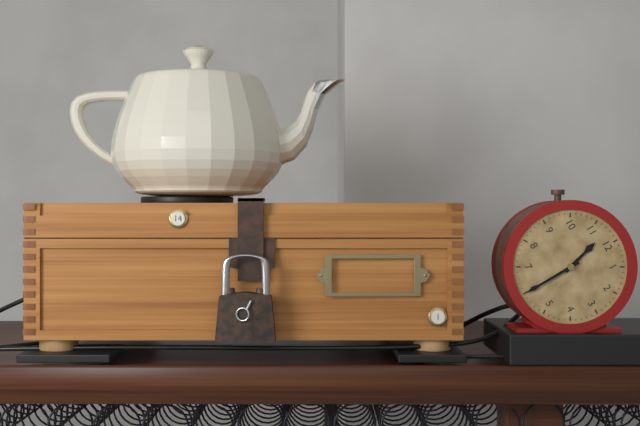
11:30
